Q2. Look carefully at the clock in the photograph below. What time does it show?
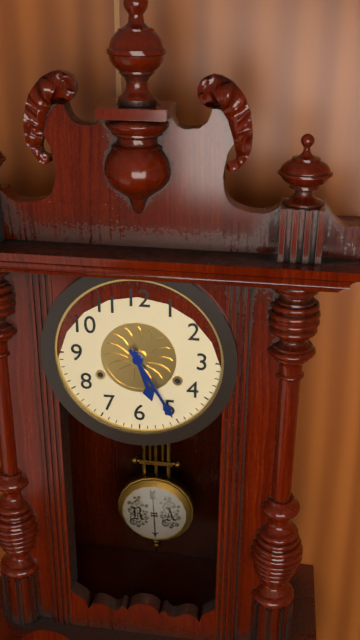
5:25
